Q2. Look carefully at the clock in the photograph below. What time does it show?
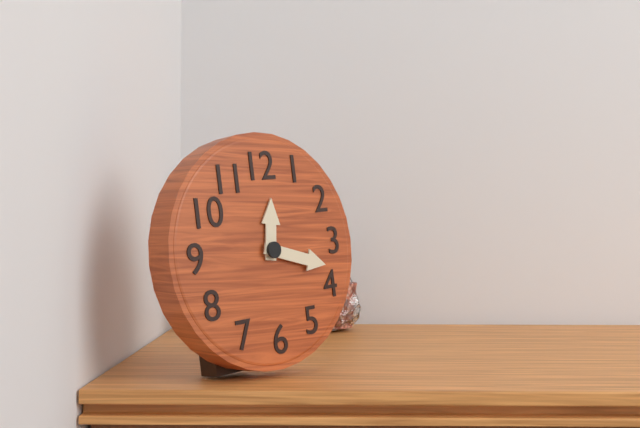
12:18
